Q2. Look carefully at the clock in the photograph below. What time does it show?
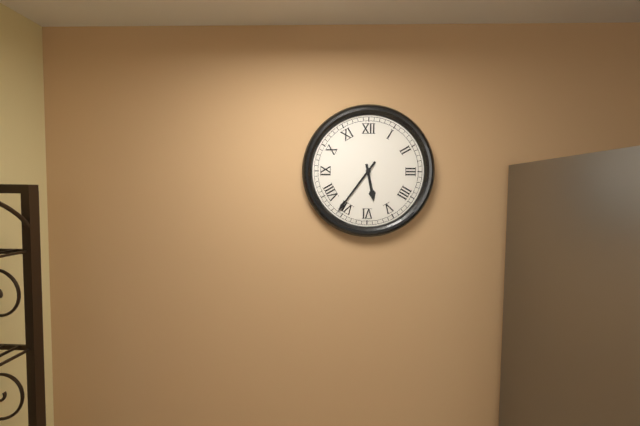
5:36
